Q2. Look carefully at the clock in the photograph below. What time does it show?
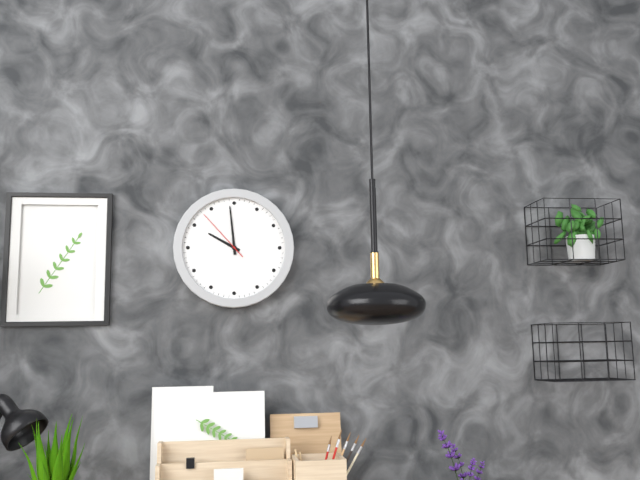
9:59:53
